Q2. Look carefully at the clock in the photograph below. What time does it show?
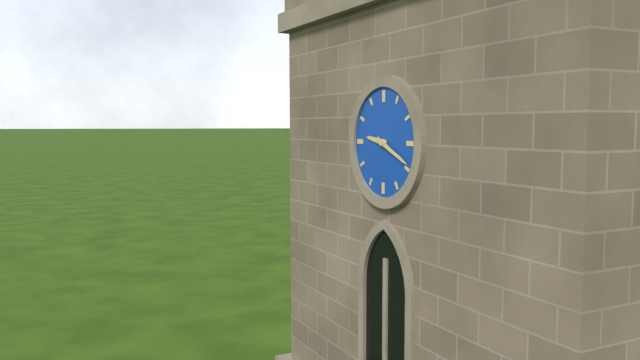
9:19
